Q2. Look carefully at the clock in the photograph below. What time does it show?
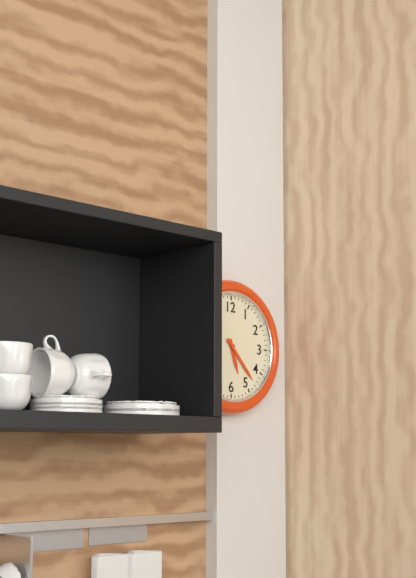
5:23
